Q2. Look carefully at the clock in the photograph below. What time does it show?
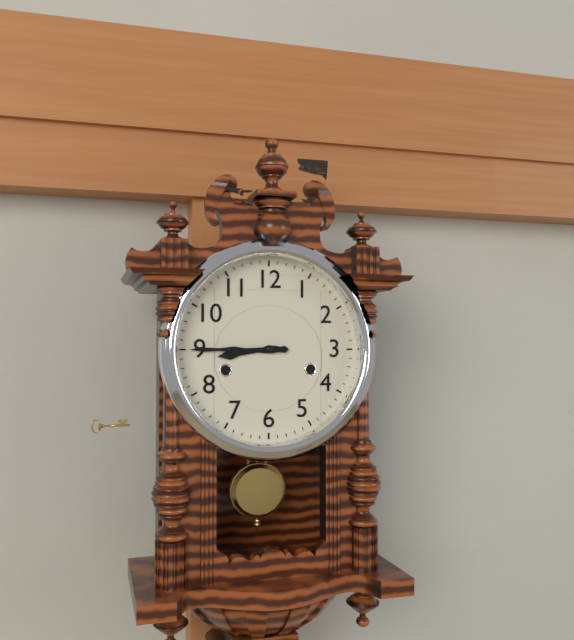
8:45
